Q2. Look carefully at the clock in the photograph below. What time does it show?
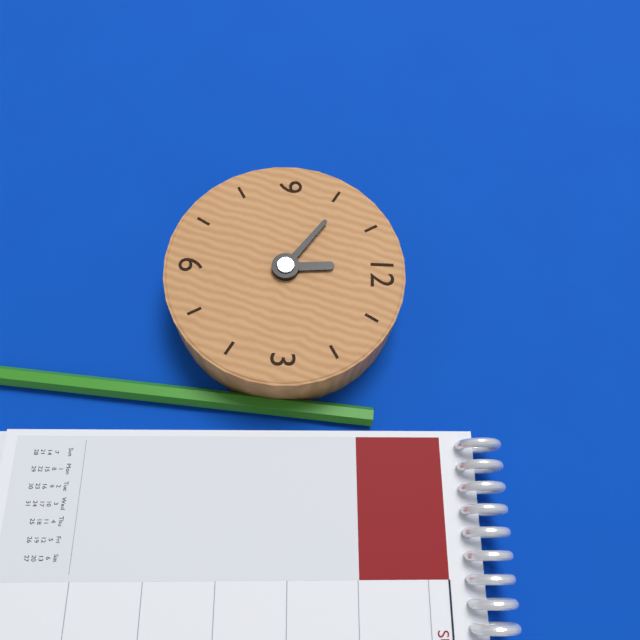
11:51
